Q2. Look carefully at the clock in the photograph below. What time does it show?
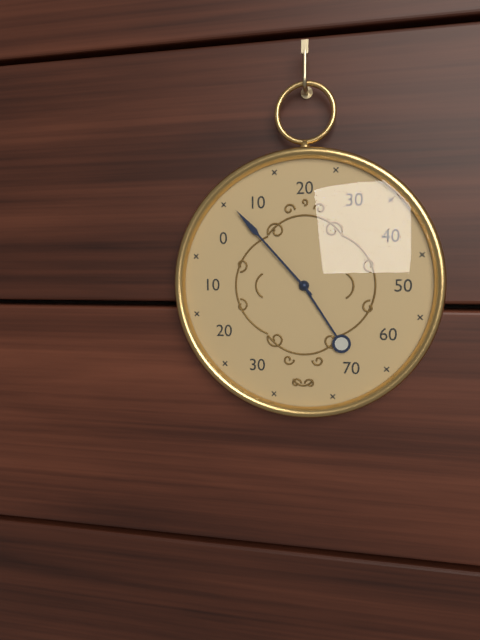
4:53
